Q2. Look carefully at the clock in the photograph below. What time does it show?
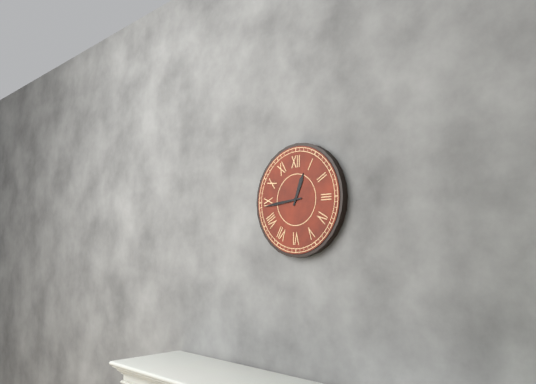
12:44
